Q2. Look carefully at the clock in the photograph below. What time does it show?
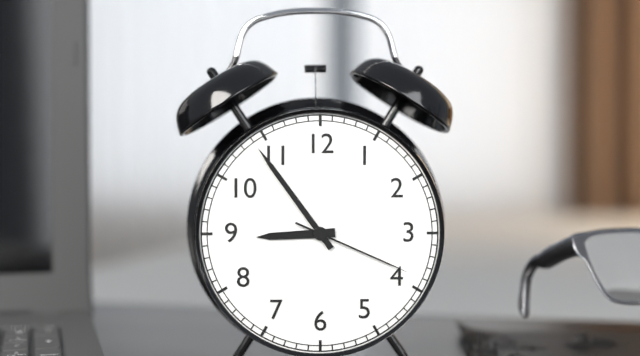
8:54:19
